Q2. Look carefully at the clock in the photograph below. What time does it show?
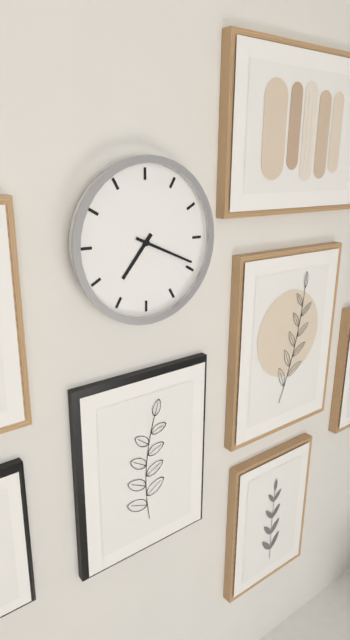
7:19
